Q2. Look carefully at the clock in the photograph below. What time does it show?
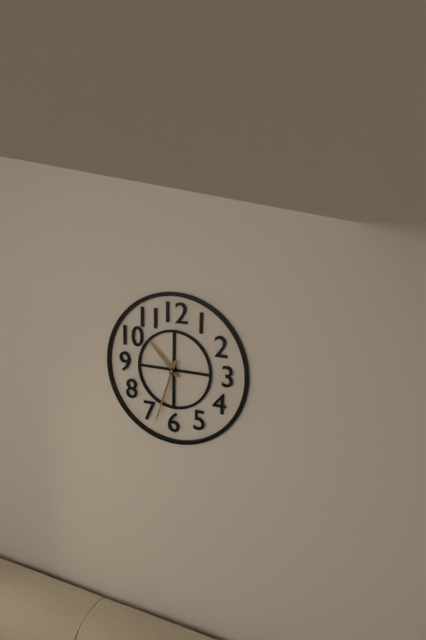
10:33
